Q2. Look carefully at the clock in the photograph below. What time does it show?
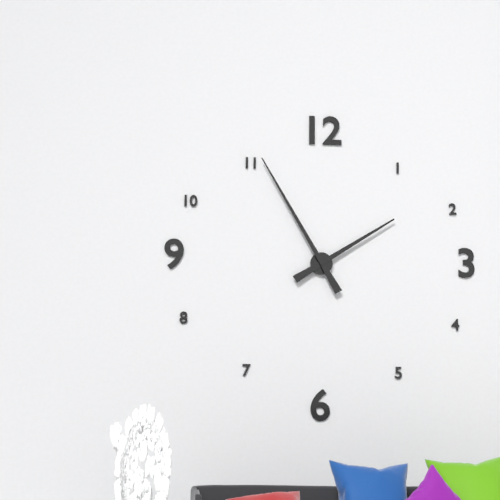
1:55
